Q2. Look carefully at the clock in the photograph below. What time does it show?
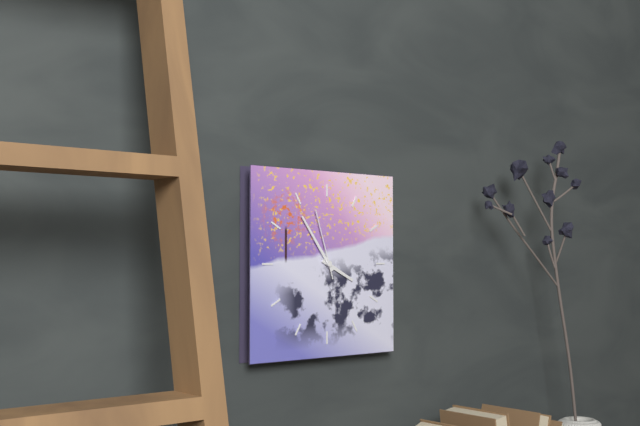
3:54:57
